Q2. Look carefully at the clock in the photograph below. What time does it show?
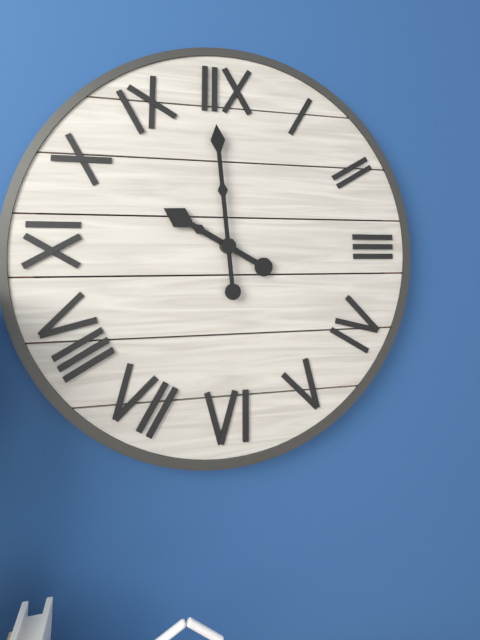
9:59
